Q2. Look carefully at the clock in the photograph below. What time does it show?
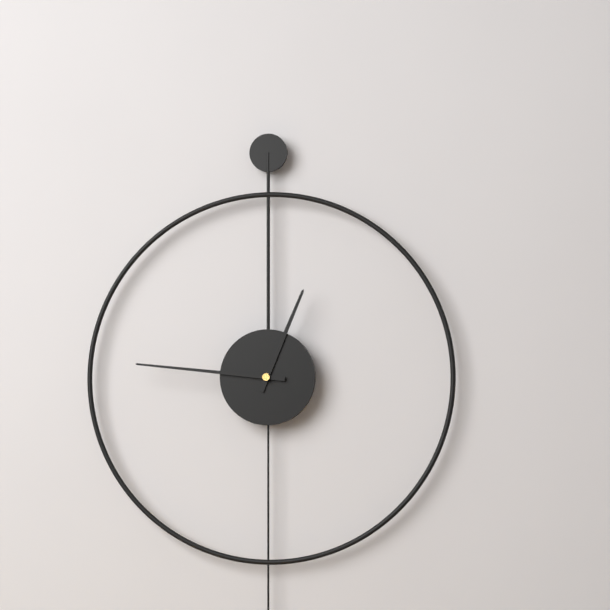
12:46
